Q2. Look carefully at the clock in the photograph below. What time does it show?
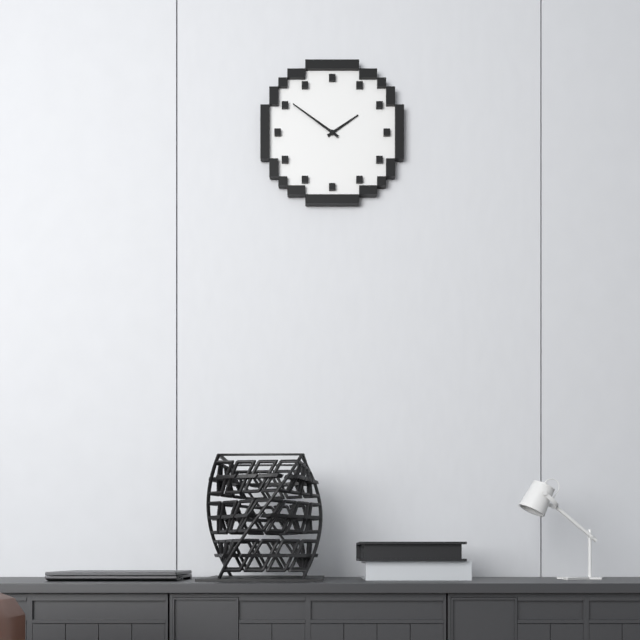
1:51
